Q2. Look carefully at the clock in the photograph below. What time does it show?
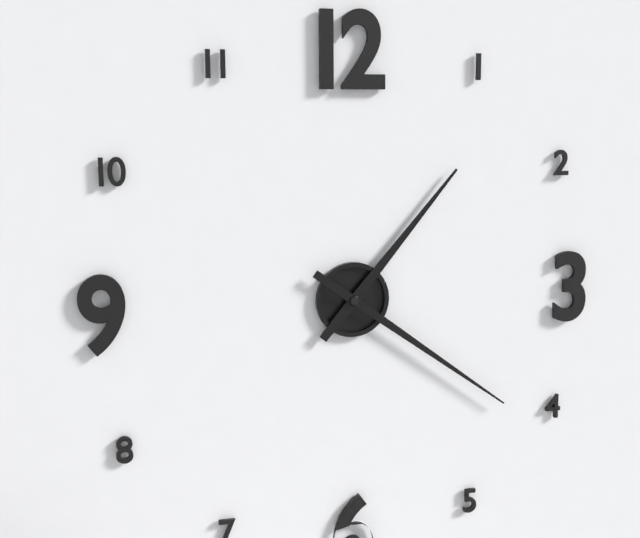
1:21
